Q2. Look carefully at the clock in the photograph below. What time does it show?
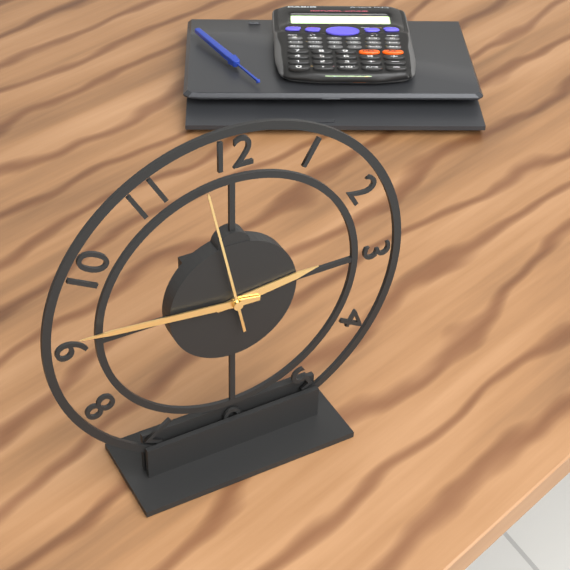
2:46:58
